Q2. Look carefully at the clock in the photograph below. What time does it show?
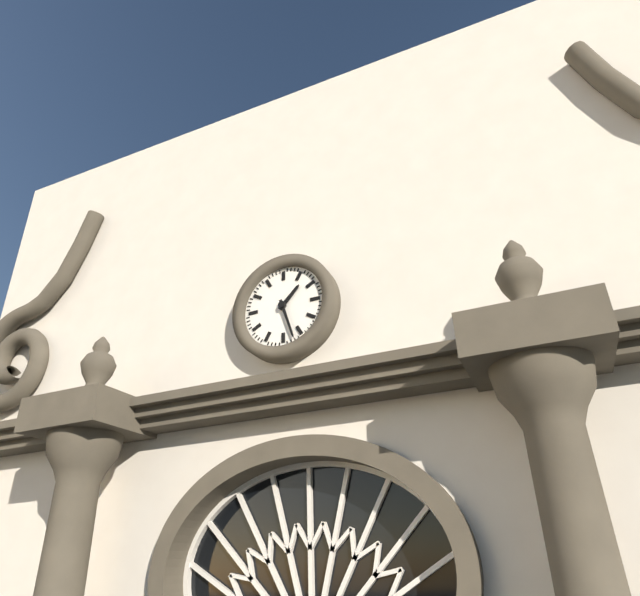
1:27
